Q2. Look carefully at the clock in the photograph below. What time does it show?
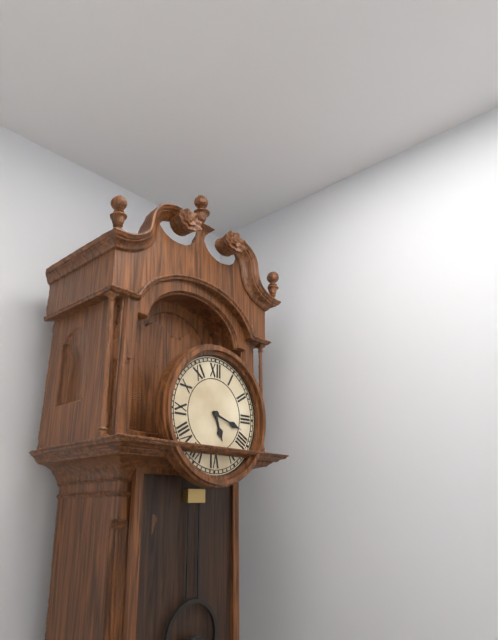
5:18
